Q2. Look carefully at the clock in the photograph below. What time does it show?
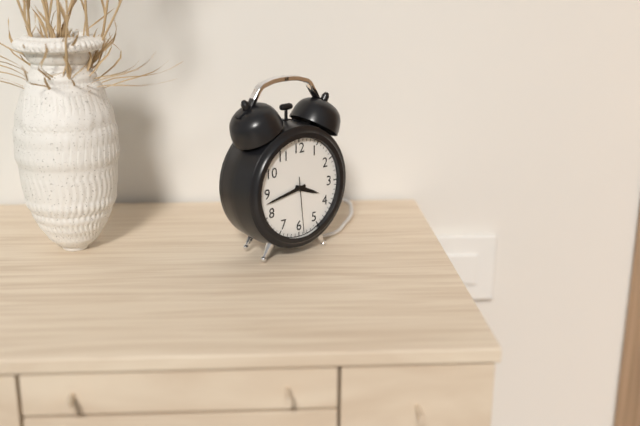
3:43:29
